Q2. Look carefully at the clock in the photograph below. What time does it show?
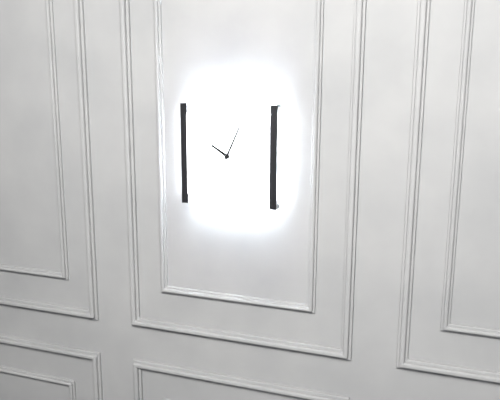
10:04
